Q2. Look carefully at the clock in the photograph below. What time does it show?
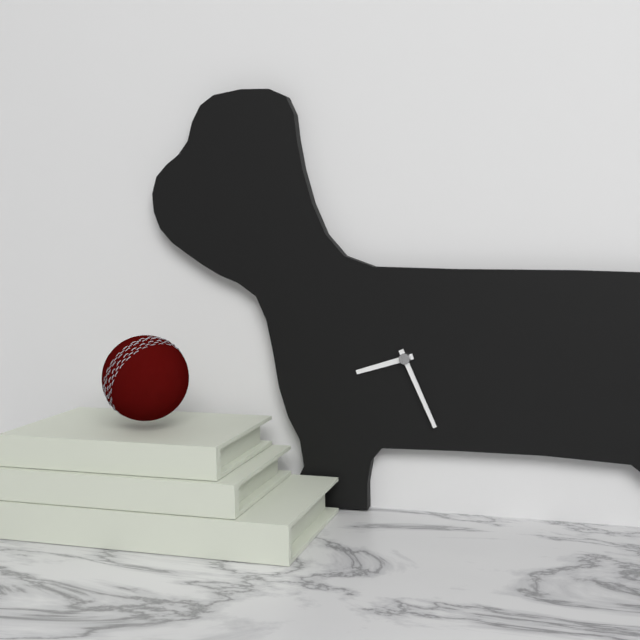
8:26
